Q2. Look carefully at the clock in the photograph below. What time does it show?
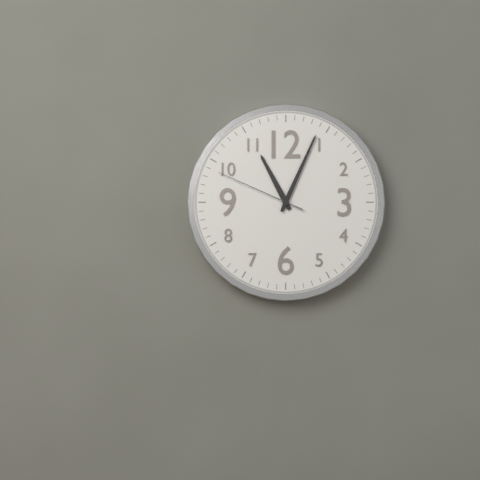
11:04:49
